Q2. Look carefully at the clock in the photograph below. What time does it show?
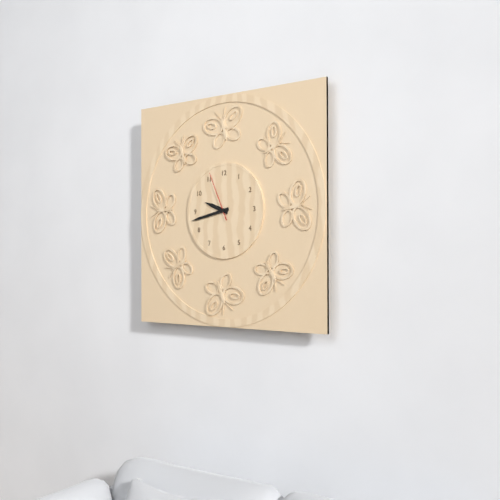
9:43:56
